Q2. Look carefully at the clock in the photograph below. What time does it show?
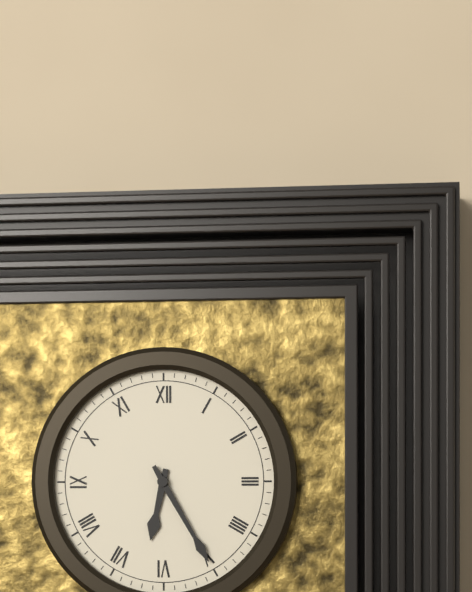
6:25
